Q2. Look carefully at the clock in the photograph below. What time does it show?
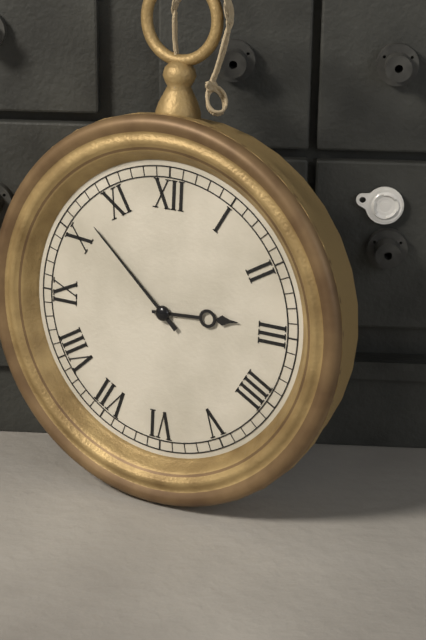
2:52
